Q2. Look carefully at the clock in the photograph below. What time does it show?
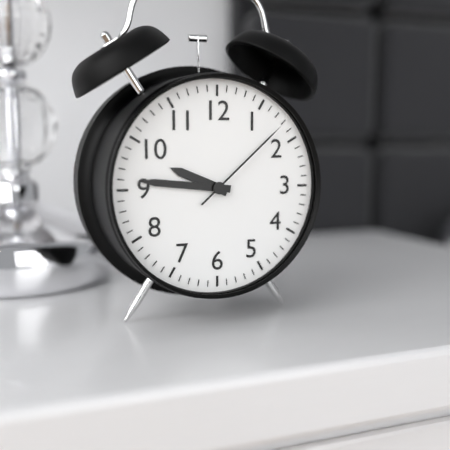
9:46:08
